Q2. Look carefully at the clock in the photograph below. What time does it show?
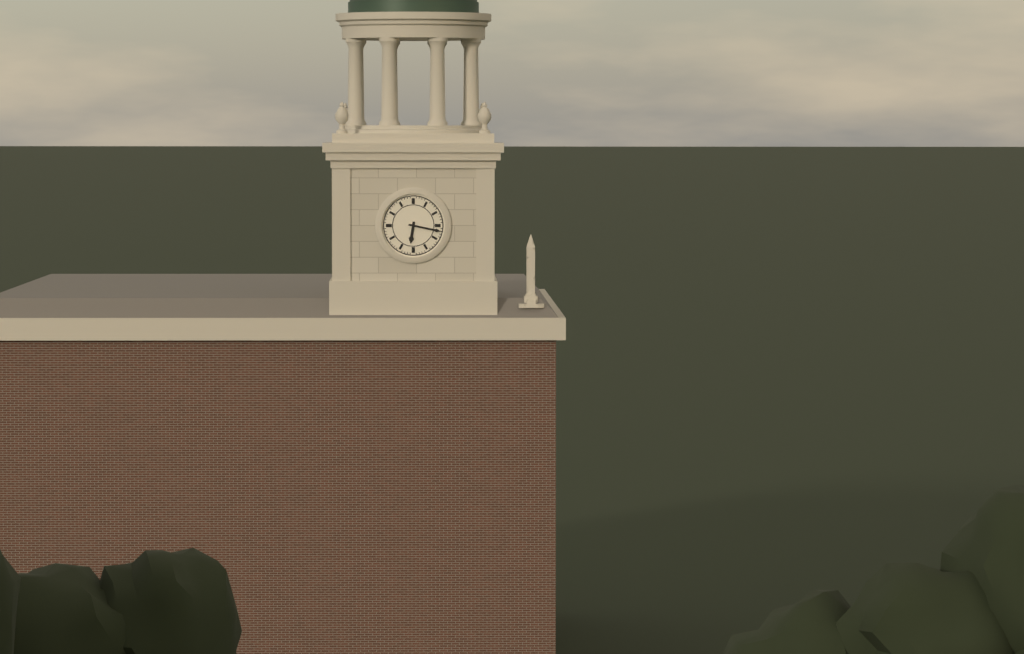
6:17
